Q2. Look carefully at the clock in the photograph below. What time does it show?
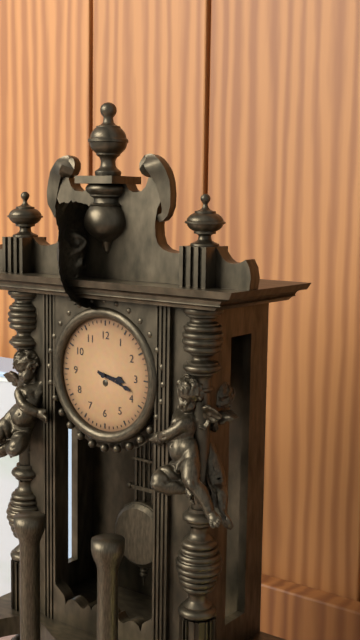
3:18
